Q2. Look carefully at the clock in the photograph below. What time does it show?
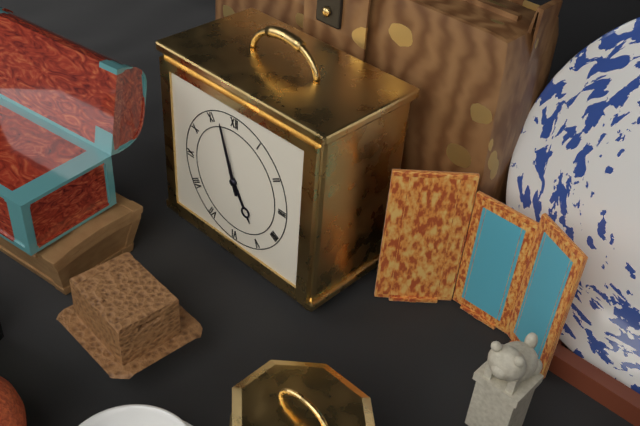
4:57
